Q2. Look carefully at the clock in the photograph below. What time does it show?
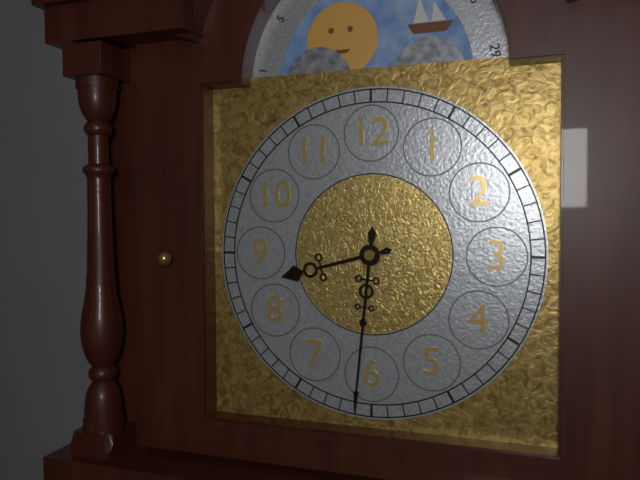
8:31
